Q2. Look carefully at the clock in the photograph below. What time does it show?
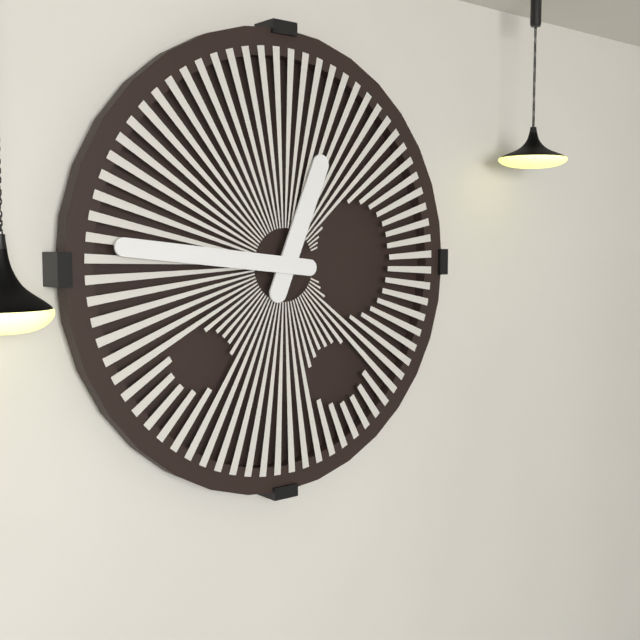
12:46
